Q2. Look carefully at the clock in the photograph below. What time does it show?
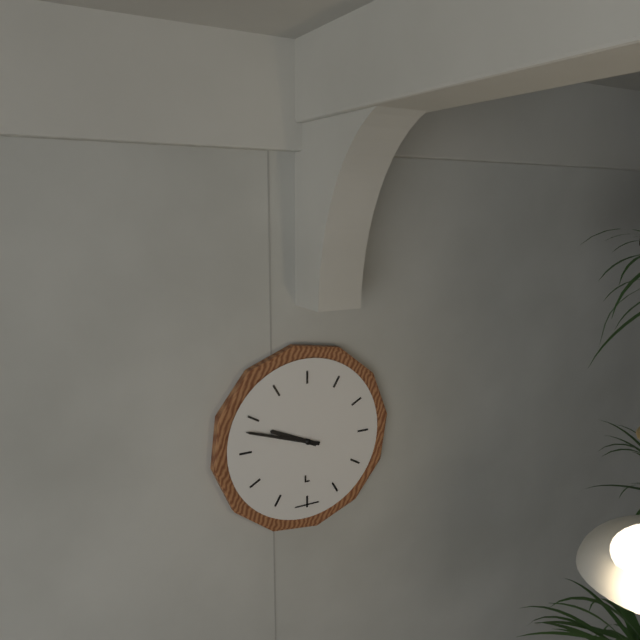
9:48
